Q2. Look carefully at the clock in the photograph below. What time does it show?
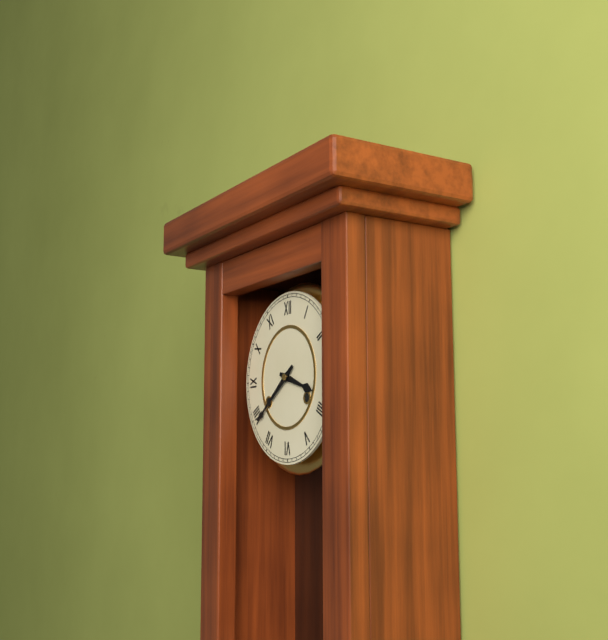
3:39
